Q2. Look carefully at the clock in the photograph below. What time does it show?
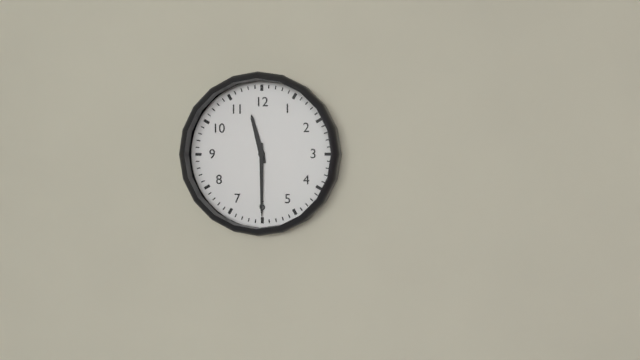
11:30
